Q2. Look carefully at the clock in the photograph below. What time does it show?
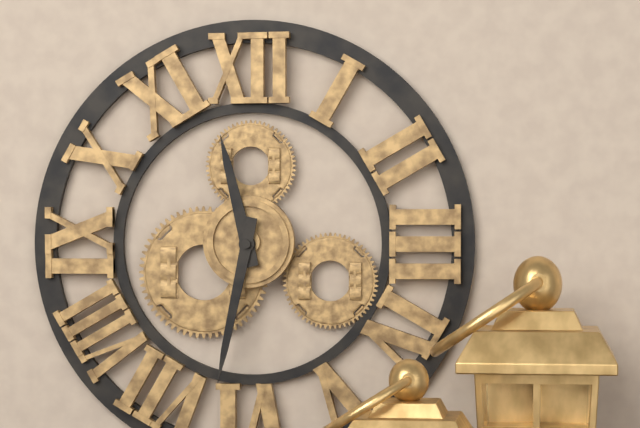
11:32
